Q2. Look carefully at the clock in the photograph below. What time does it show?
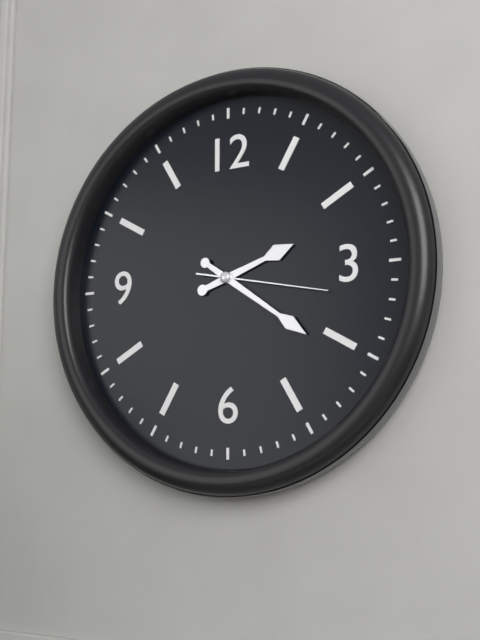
2:21:17
